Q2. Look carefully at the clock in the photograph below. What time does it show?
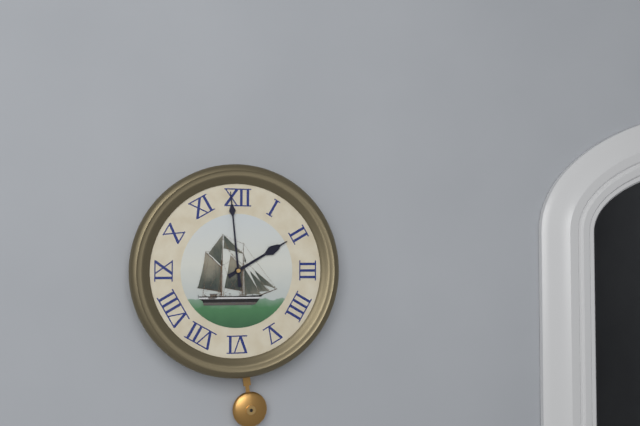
1:59
